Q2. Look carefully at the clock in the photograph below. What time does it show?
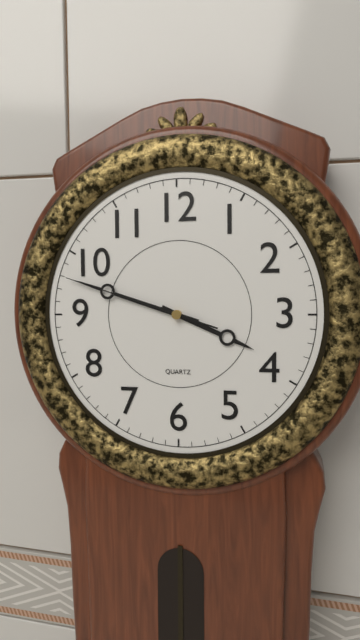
3:48:48
